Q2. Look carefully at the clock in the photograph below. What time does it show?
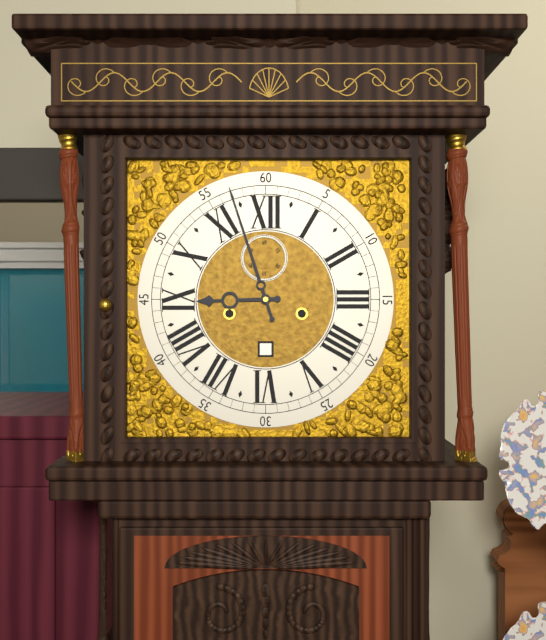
8:57
